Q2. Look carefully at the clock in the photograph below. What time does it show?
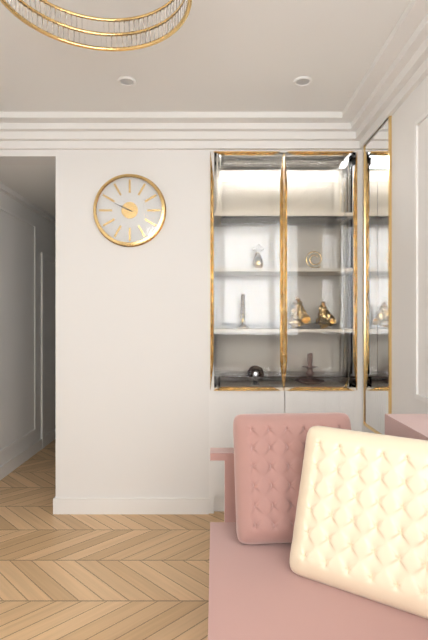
9:49
